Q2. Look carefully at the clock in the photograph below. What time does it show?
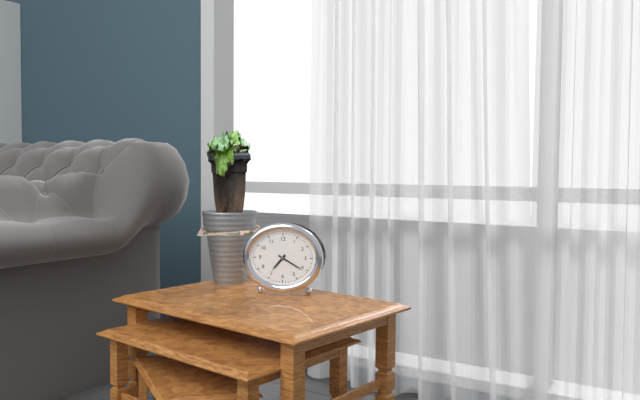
7:20
